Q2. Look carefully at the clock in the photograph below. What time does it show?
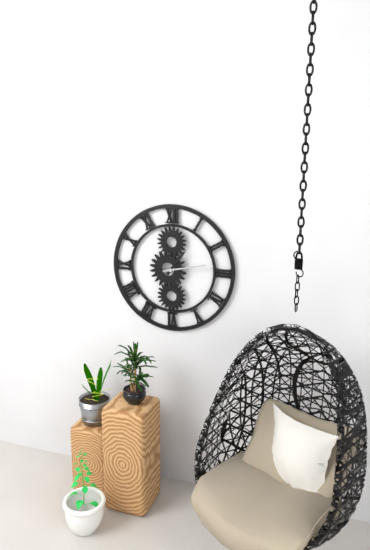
1:13
